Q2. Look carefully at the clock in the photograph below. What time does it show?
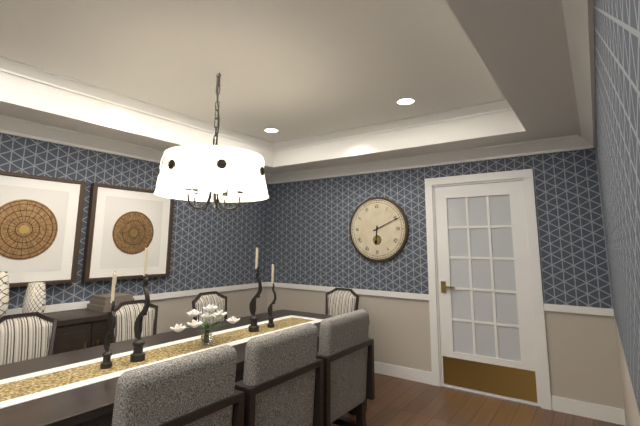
6:11
